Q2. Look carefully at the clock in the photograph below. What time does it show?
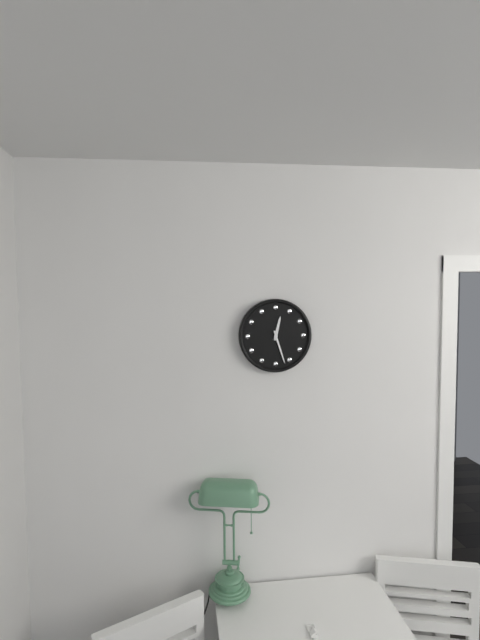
12:27
